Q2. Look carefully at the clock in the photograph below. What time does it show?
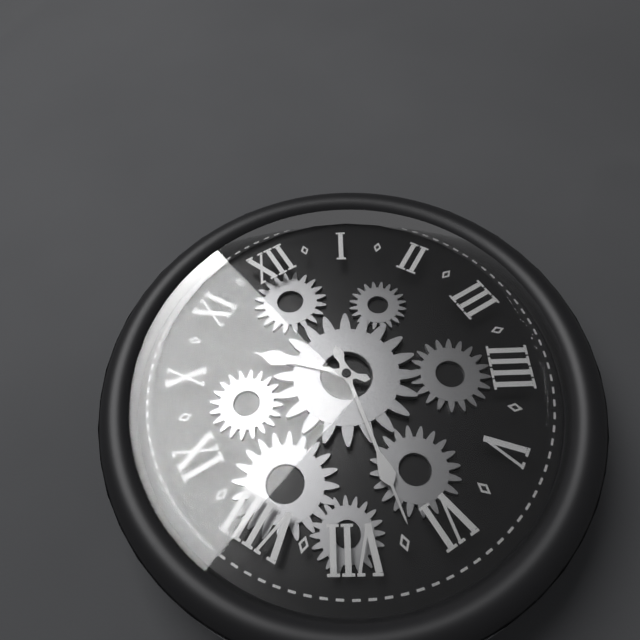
10:32
